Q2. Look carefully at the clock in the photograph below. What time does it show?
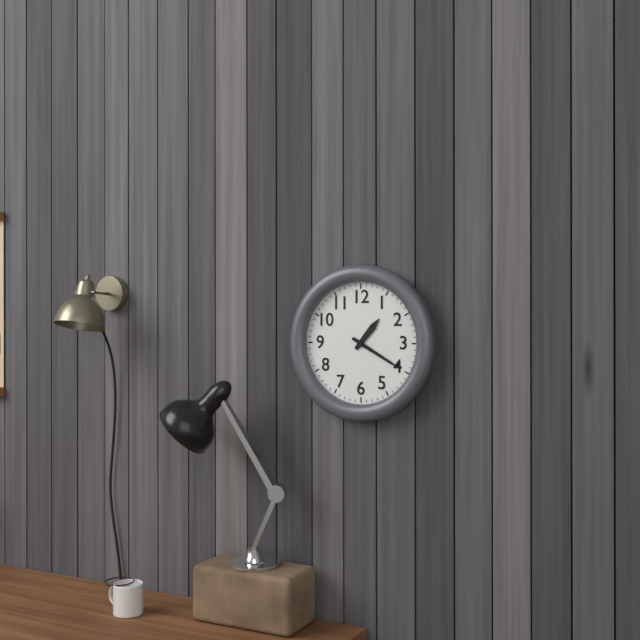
1:20
